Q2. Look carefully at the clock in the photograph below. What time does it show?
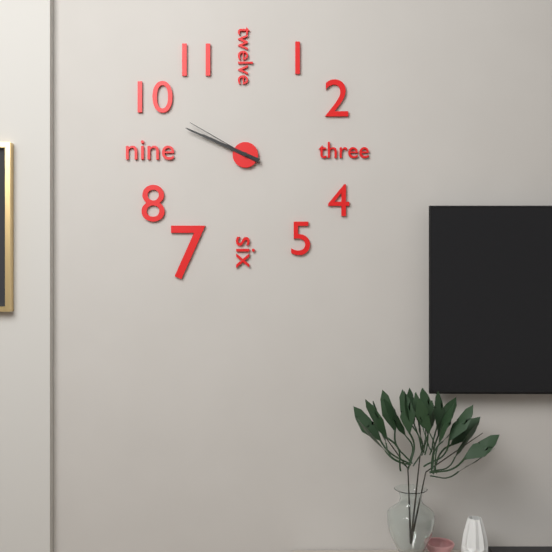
9:49:50
